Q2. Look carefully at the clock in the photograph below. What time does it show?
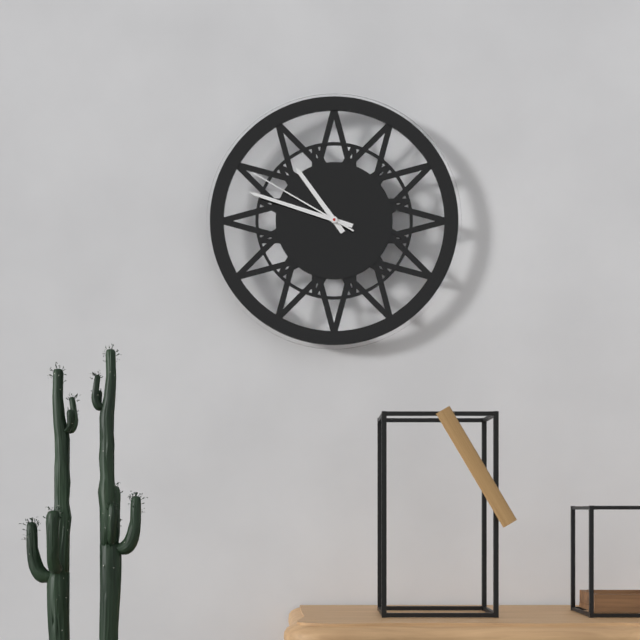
10:48:50
